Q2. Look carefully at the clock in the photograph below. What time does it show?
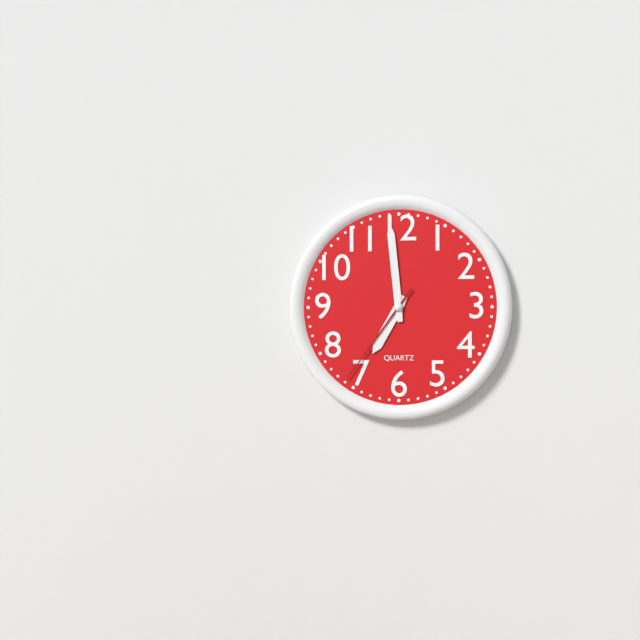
6:59:36
